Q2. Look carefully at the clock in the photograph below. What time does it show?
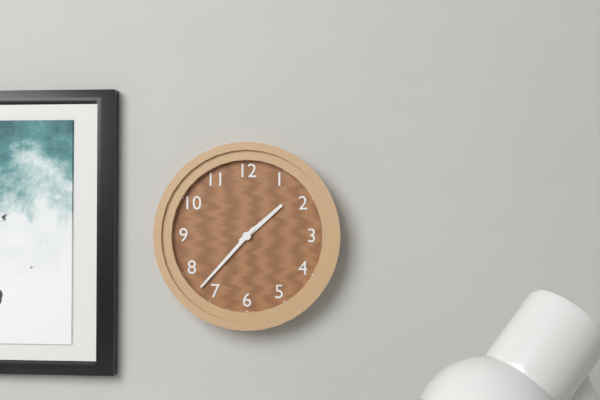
1:37
